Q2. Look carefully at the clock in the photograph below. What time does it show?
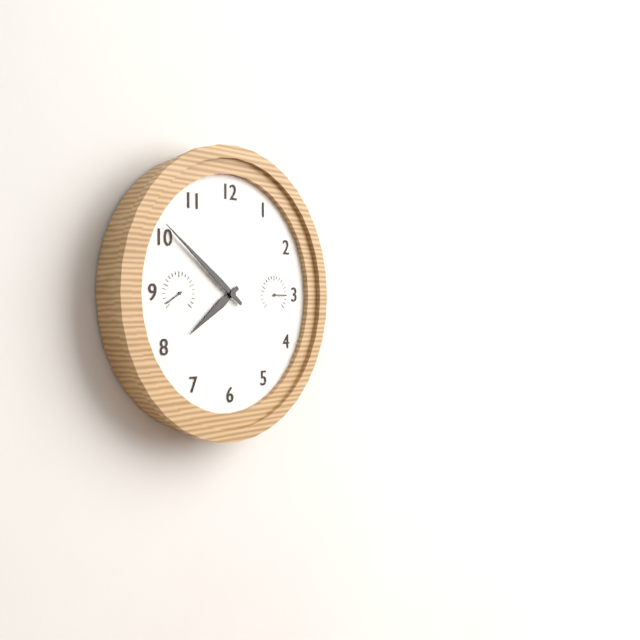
7:51
